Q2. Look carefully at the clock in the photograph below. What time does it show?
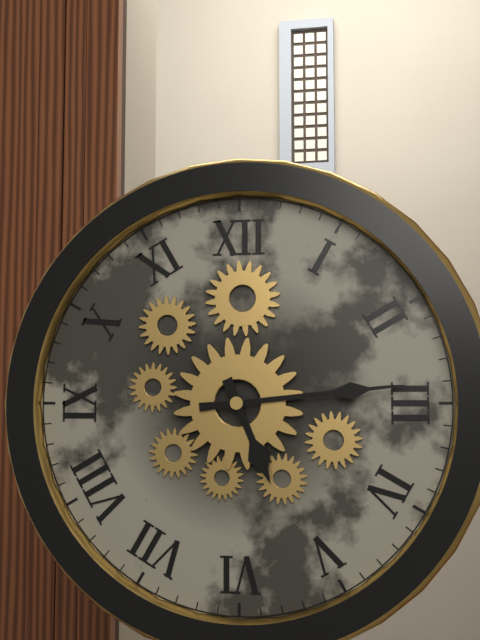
5:14
